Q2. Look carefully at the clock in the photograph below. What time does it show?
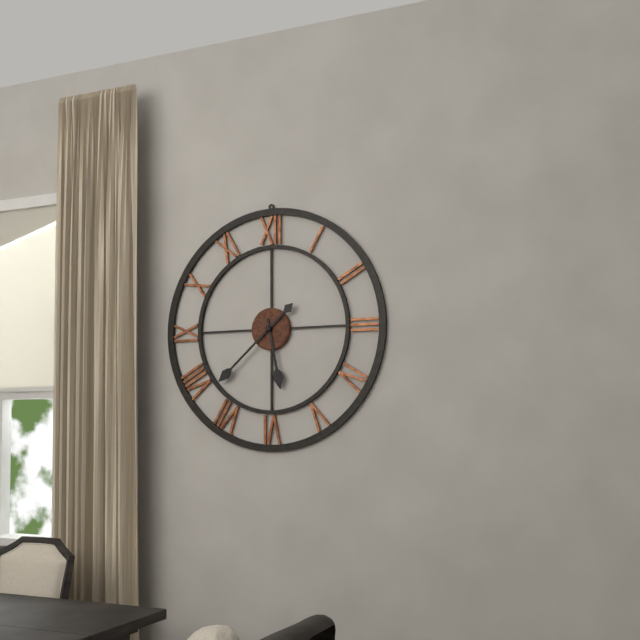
5:38
